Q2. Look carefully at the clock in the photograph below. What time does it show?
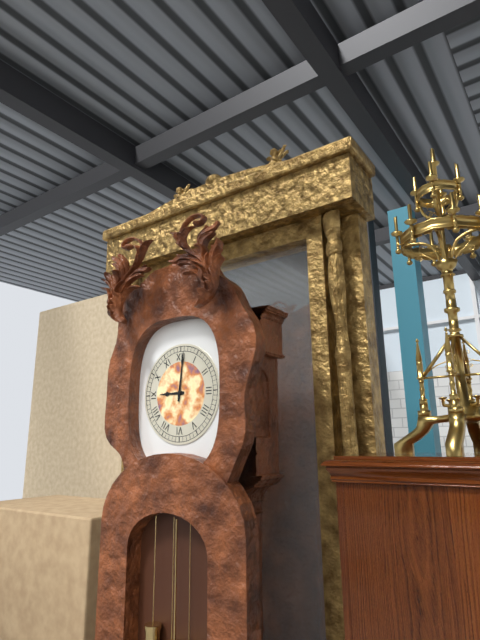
9:01
